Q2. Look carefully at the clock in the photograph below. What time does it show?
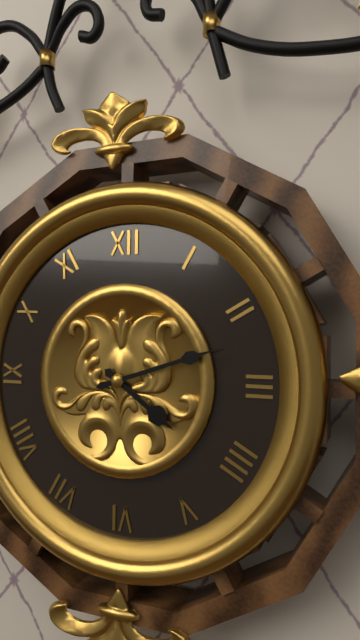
4:12
